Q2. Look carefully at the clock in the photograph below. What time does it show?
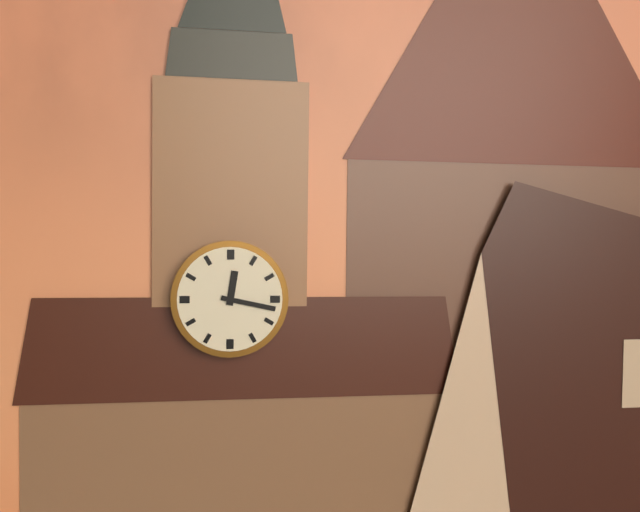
12:17
